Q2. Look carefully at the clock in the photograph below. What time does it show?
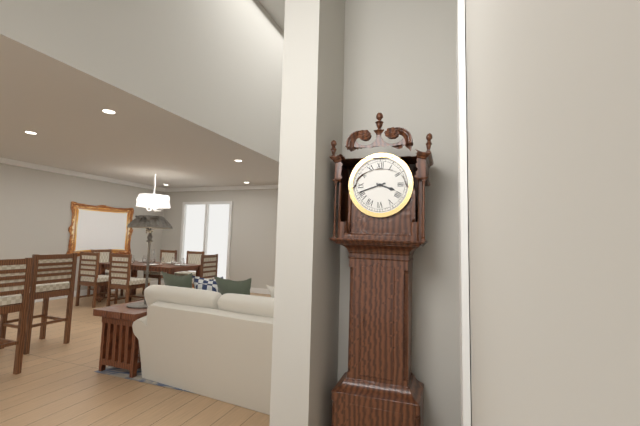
3:42
